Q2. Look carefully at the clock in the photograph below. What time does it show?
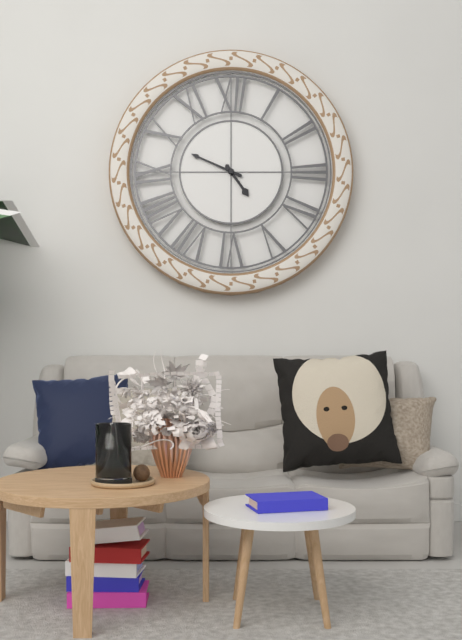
4:49
